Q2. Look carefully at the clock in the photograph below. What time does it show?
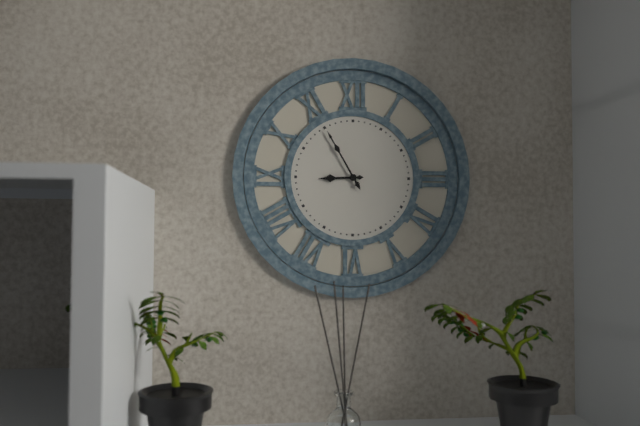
8:55
